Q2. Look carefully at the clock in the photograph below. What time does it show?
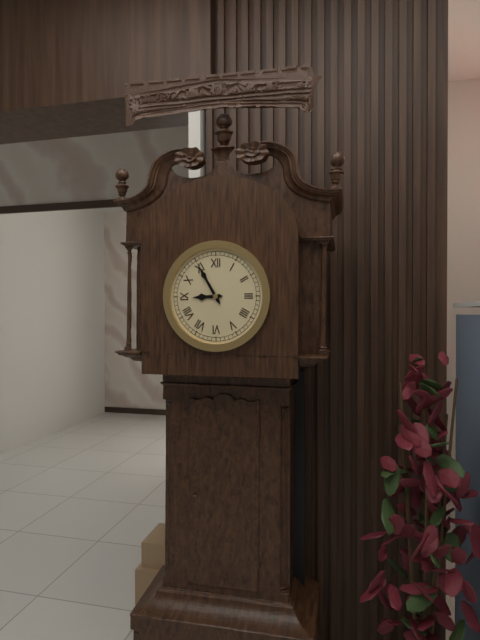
8:55
